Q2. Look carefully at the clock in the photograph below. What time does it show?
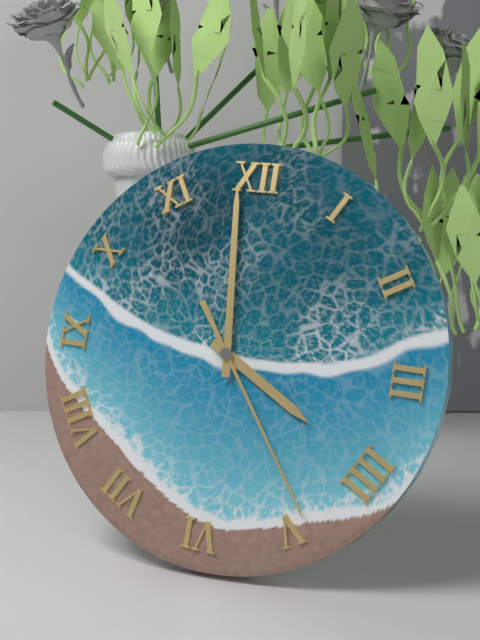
3:59:24
